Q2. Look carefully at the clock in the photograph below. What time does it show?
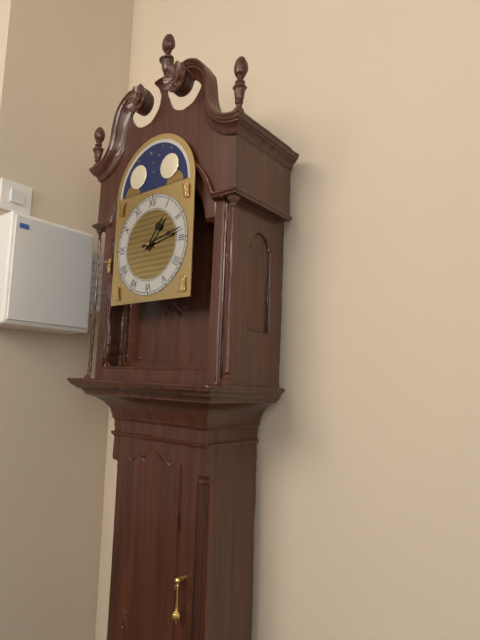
1:13
